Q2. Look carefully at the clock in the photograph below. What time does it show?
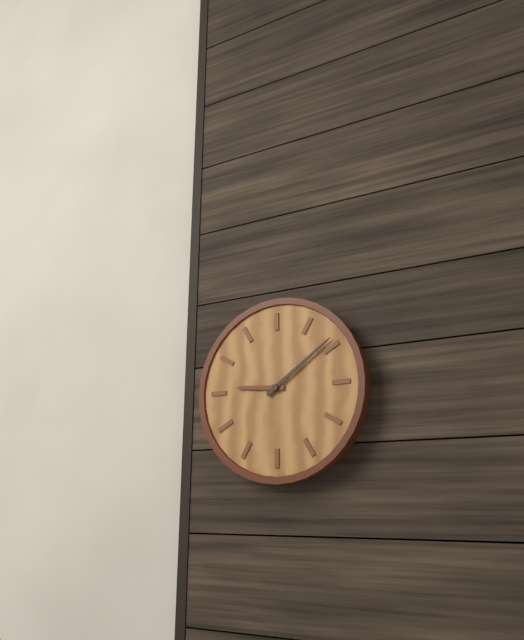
9:09
